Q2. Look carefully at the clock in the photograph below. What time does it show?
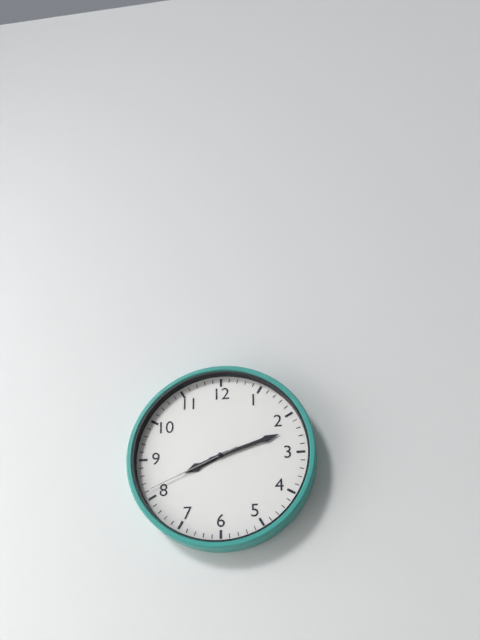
8:12:41
